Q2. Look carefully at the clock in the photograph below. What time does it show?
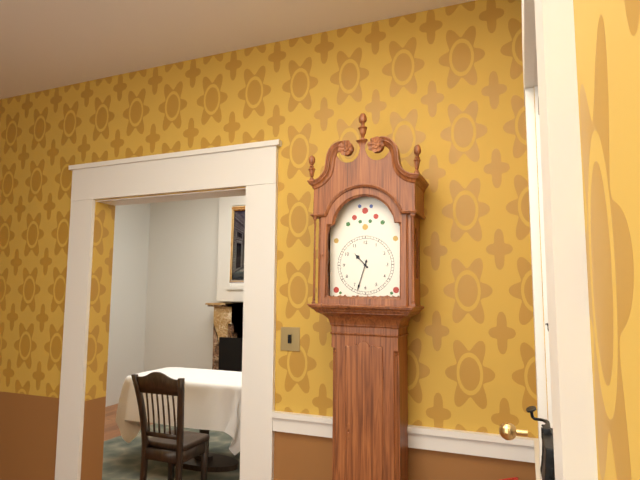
10:33
